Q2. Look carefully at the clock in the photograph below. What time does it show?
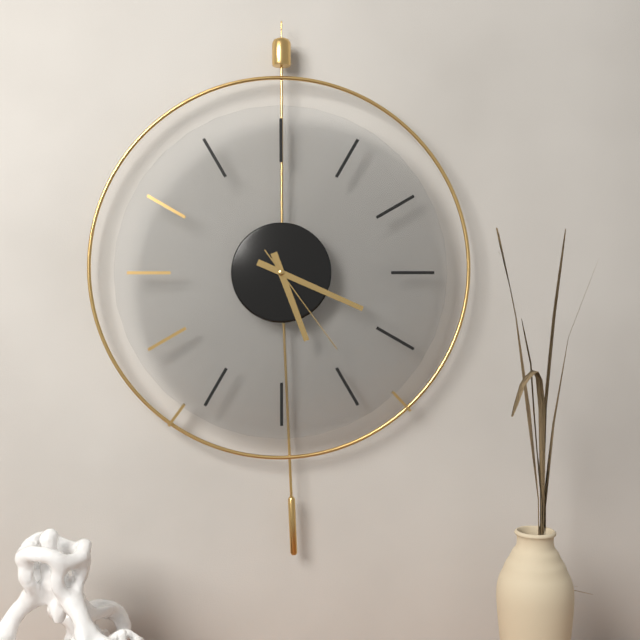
5:19:24
